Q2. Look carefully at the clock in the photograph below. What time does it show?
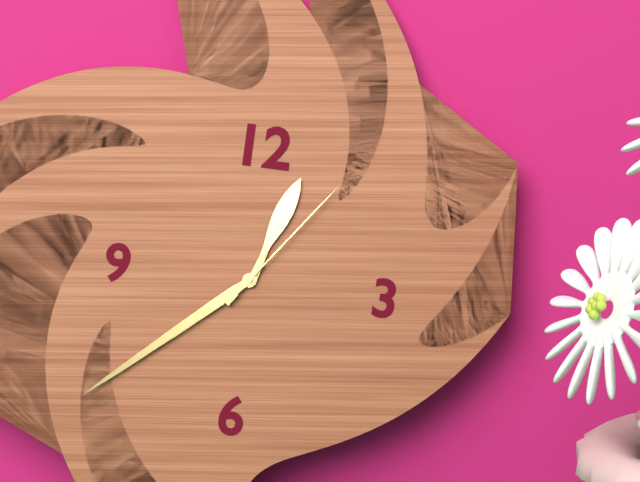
12:38:06
